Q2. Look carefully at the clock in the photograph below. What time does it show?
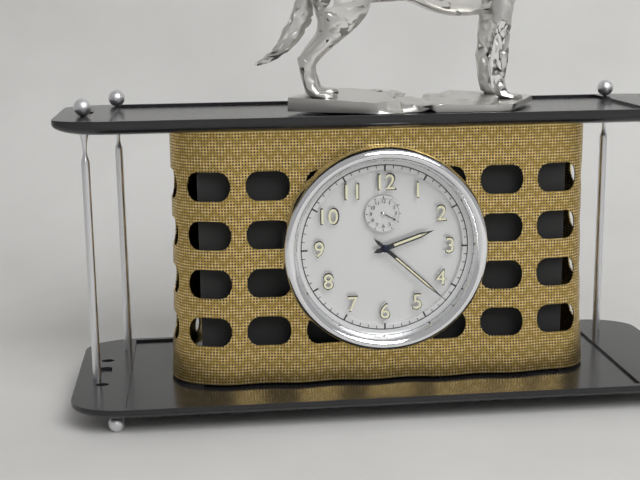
2:22
